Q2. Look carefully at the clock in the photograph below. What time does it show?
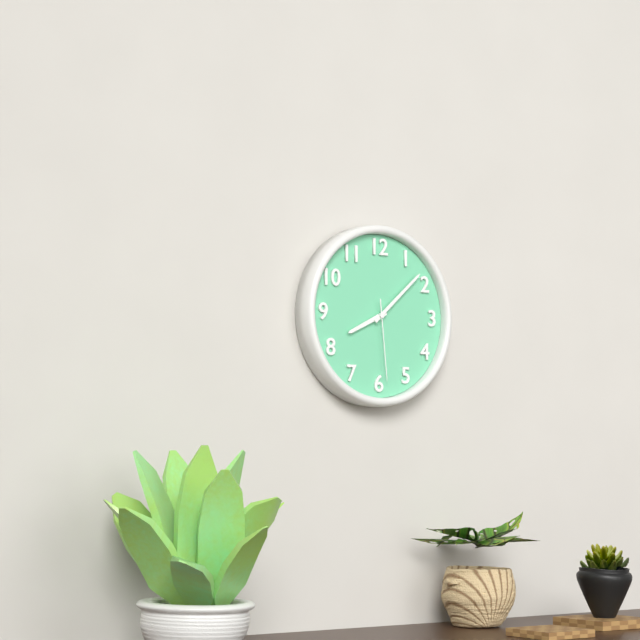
8:08:29
